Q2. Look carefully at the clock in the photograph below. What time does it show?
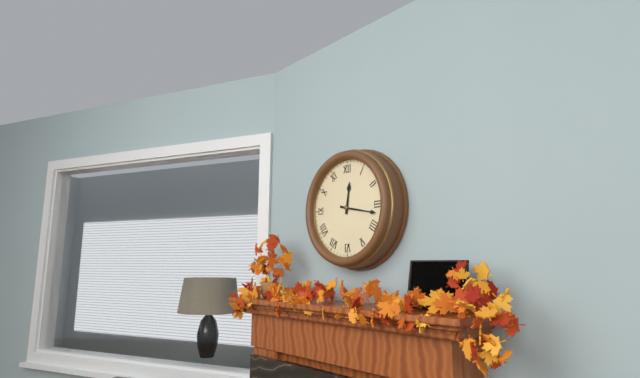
12:17
